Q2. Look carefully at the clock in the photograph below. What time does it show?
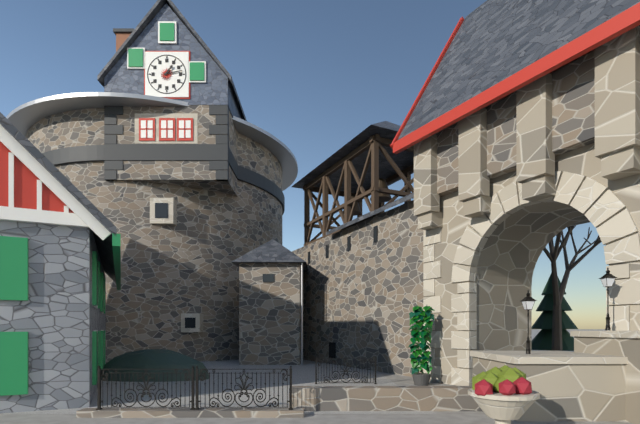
1:13
